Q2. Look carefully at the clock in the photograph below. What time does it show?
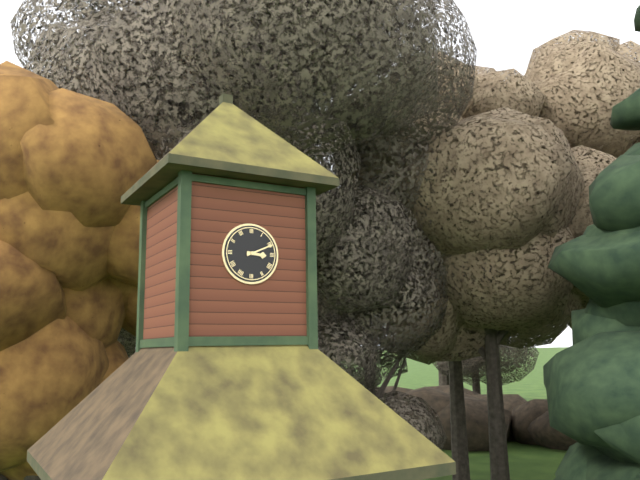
3:11
